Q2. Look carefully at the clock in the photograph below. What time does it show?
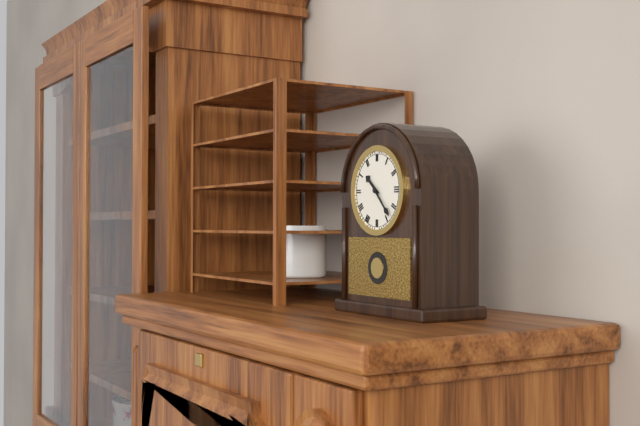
10:23
